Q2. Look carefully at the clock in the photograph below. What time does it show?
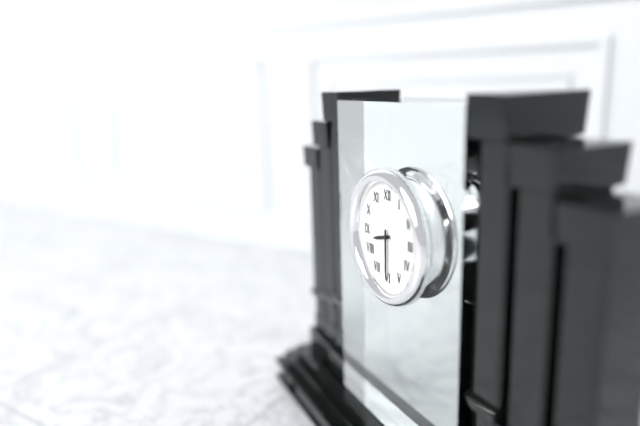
8:30
